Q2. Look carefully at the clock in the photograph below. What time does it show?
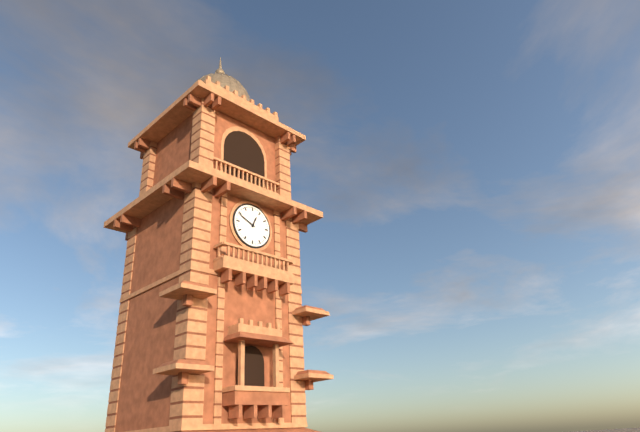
12:49
